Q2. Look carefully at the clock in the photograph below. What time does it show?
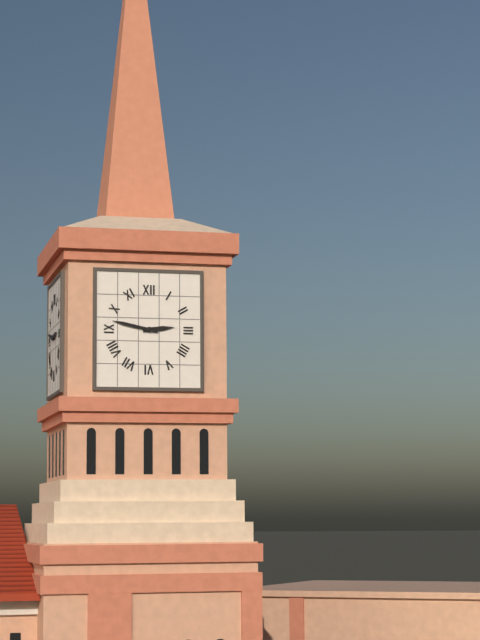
2:47
